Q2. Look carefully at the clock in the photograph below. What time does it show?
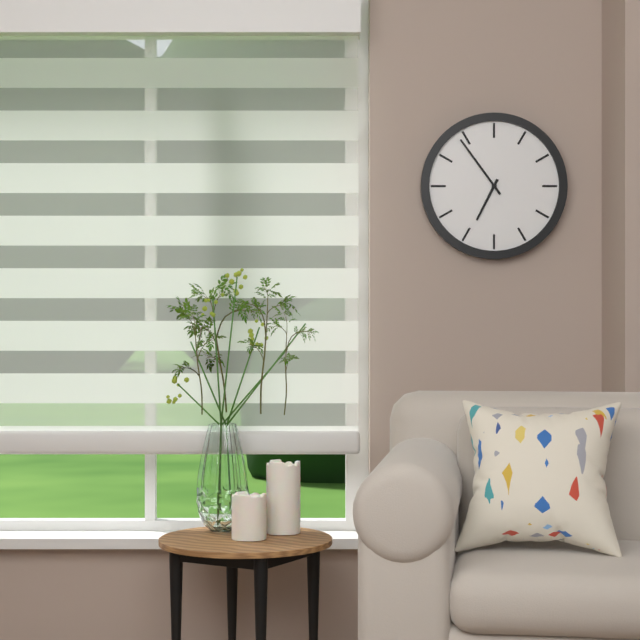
6:54
